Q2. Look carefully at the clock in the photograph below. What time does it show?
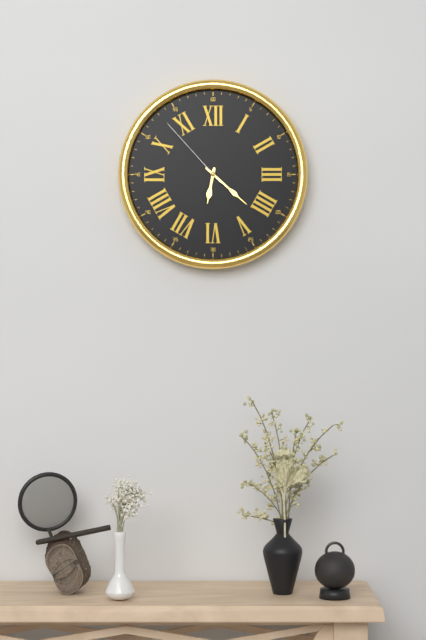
6:22:53
